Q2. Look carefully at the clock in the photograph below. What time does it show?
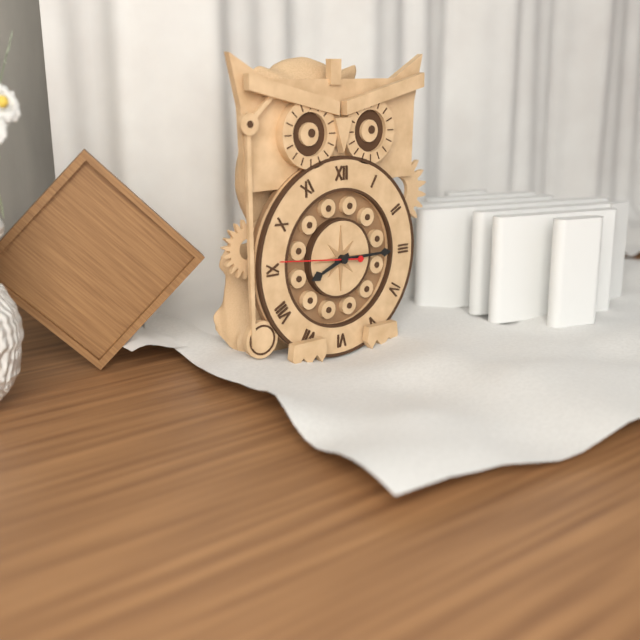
8:15:46
